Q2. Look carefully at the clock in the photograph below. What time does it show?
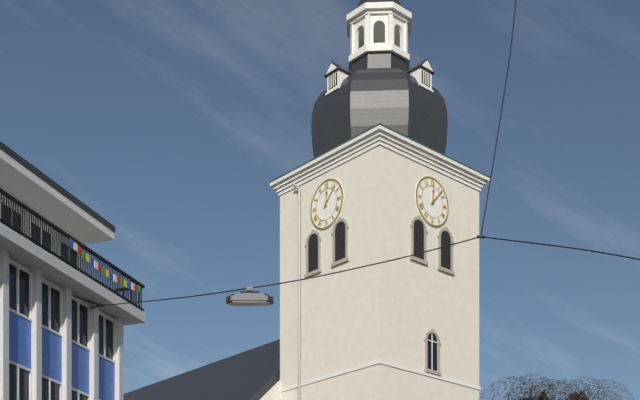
12:07
